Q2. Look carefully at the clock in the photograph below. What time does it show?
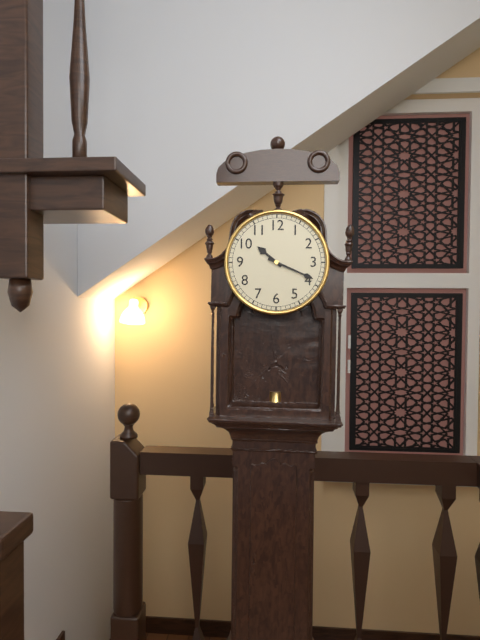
10:19
